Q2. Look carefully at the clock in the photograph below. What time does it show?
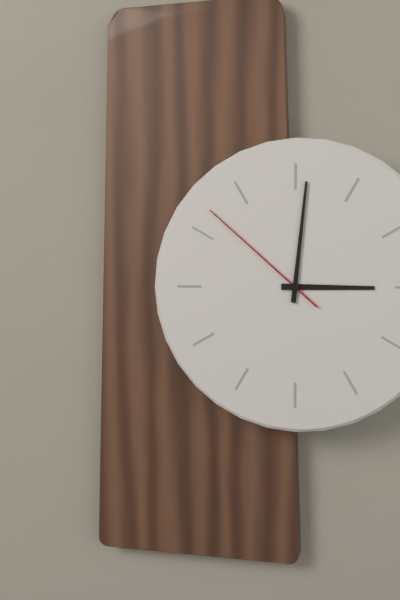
3:01:52
